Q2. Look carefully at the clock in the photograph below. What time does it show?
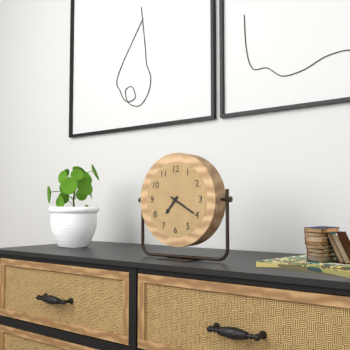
7:20
